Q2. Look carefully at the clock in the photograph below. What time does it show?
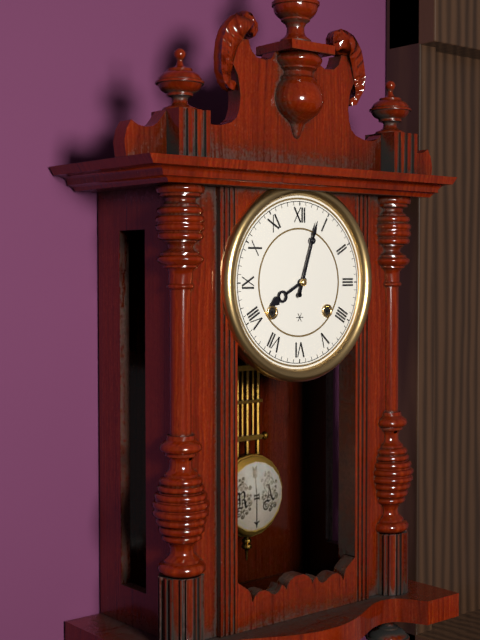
8:03
